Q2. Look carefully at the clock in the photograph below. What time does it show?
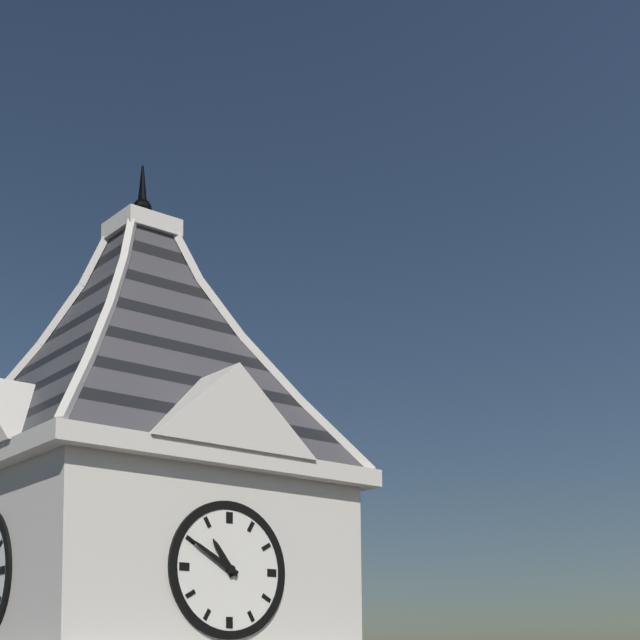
10:50
